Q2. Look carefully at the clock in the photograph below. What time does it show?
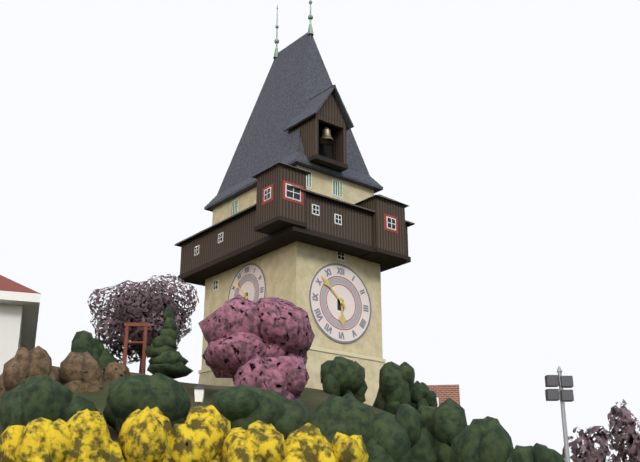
5:52
